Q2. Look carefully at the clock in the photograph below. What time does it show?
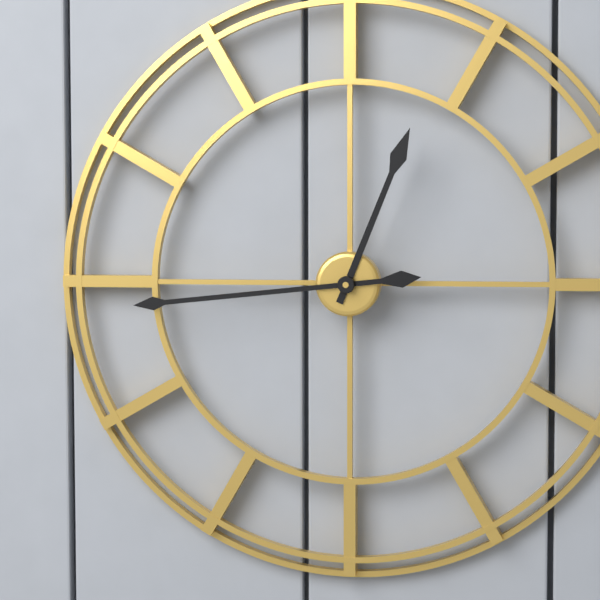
12:44
